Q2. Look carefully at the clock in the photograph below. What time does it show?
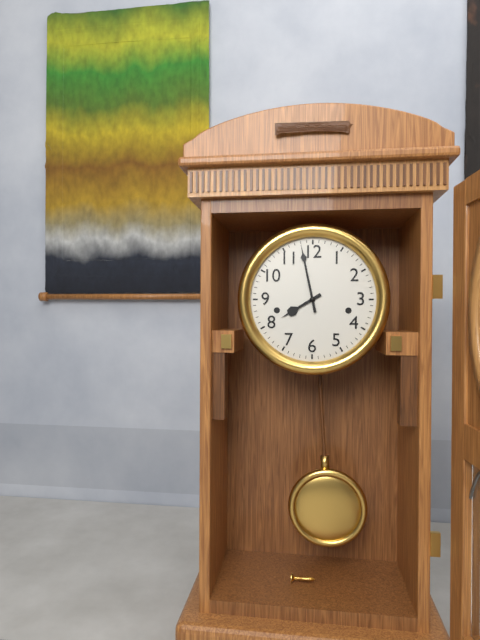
7:58
